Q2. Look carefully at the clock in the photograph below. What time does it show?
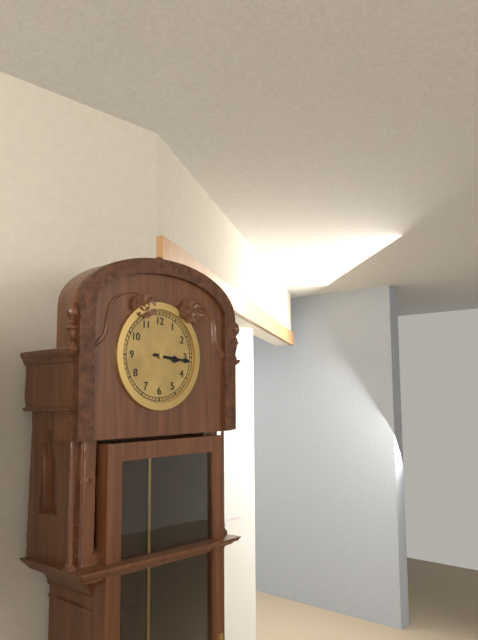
3:16
